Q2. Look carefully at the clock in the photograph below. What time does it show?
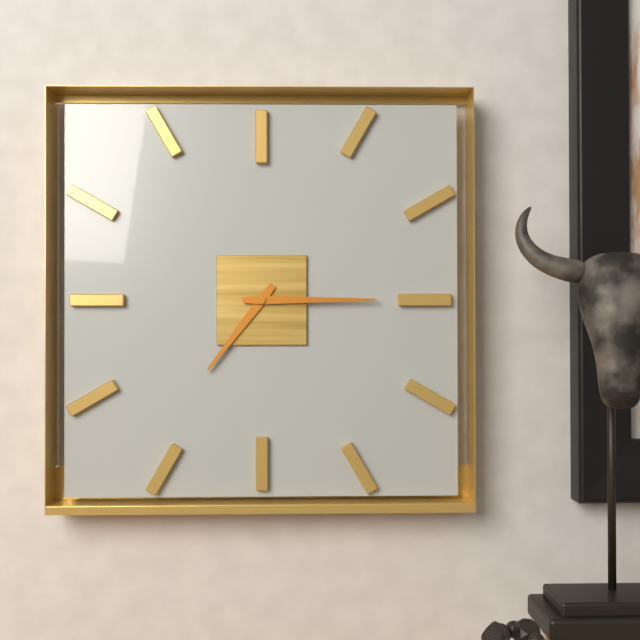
7:15
